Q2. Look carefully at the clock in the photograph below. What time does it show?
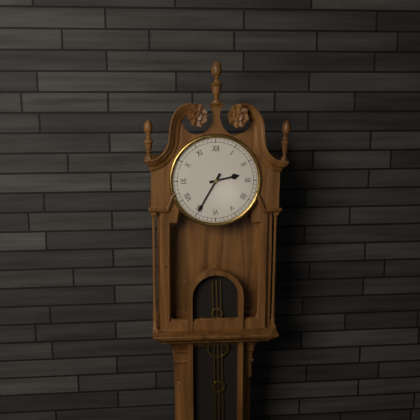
2:35
